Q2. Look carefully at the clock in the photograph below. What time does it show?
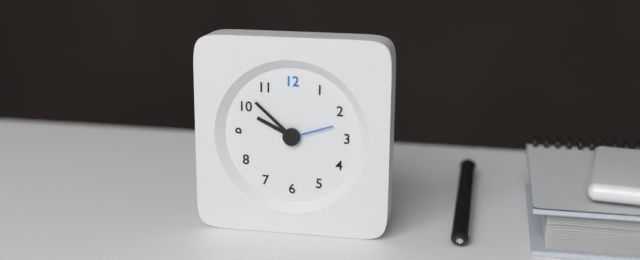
9:52:12
